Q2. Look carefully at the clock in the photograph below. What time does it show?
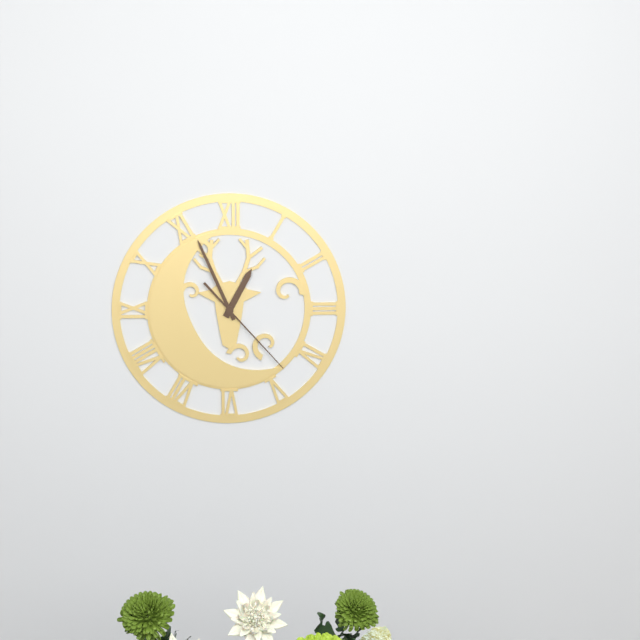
12:56:23
